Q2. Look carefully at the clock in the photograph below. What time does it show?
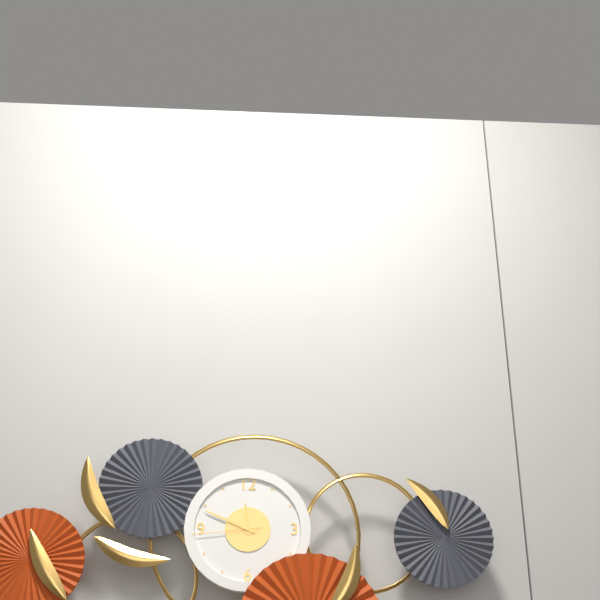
11:49:44
